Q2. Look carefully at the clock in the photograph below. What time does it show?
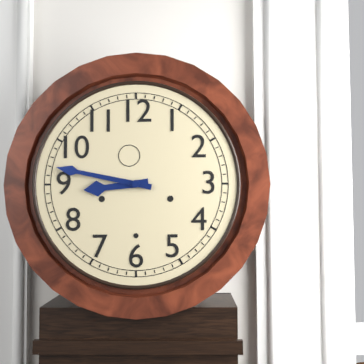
8:47
